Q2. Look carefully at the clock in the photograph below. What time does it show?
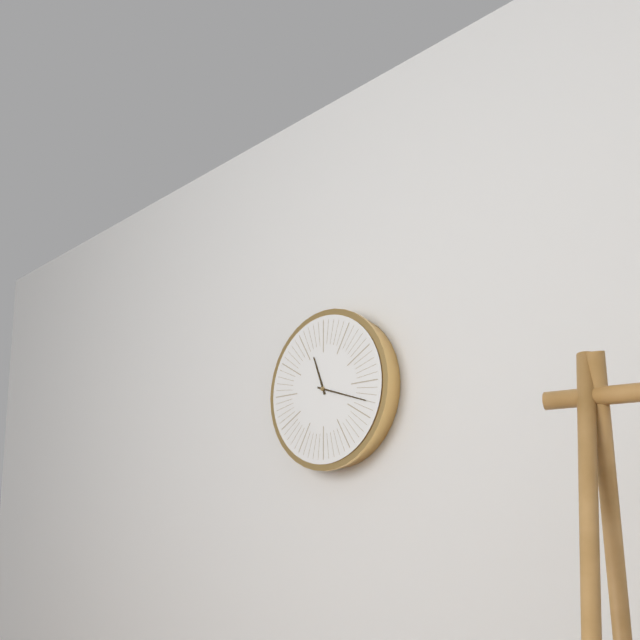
11:18
